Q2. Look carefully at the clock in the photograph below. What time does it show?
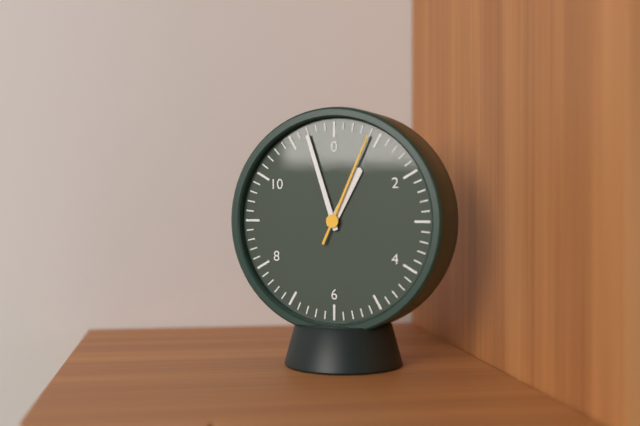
12:57:04
